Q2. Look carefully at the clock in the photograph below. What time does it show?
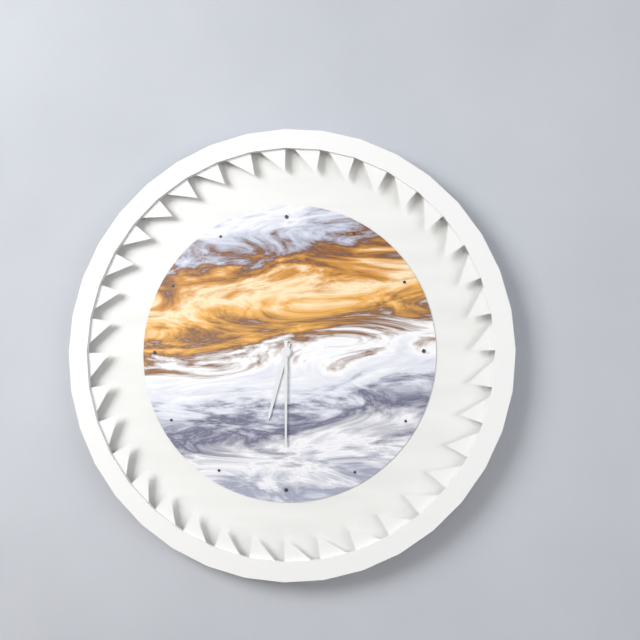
6:30
